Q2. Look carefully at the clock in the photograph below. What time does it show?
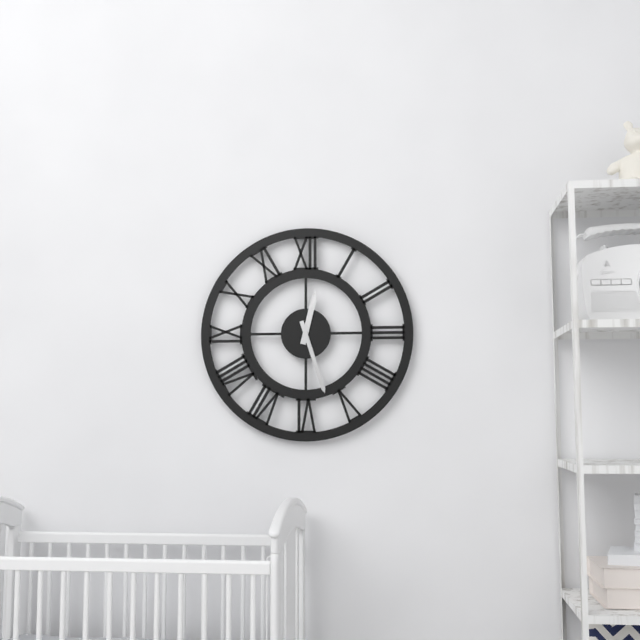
12:27
